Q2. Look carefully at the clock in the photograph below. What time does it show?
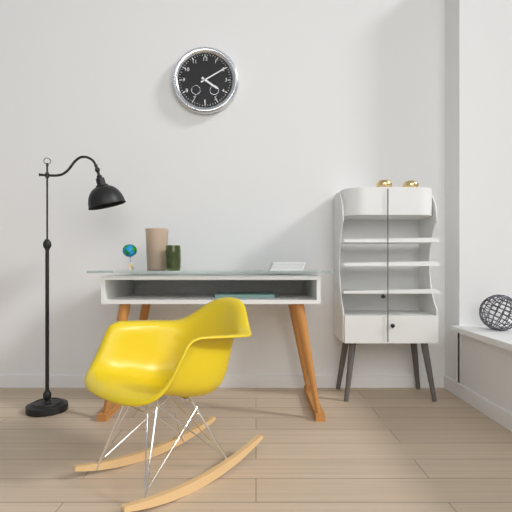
4:10
